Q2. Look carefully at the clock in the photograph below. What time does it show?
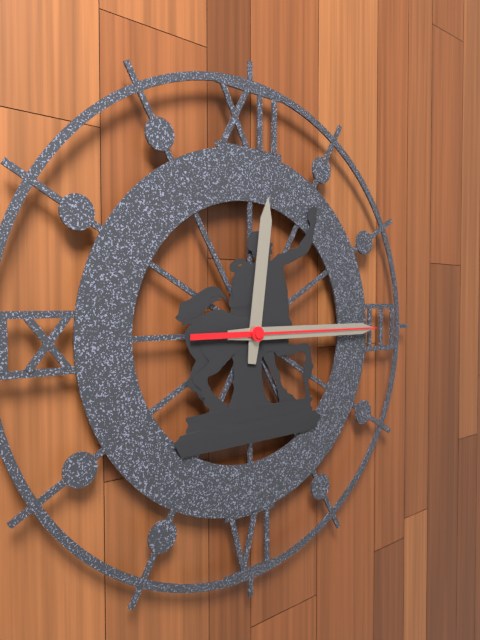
12:15:15
